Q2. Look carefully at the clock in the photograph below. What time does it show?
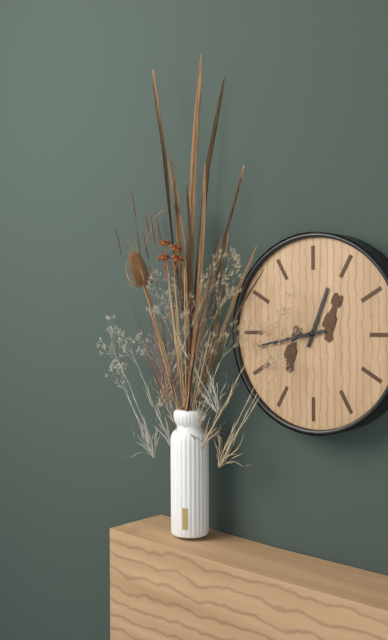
12:43
